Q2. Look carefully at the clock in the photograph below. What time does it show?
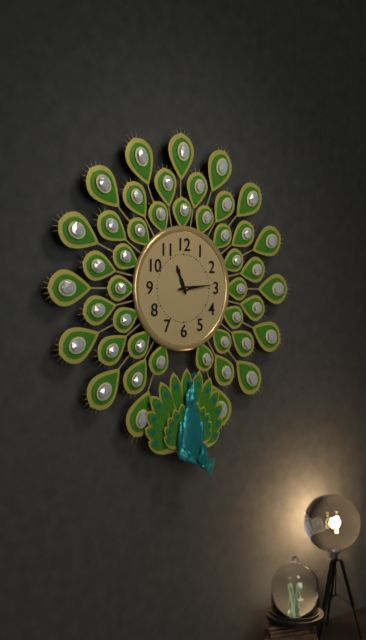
11:14
